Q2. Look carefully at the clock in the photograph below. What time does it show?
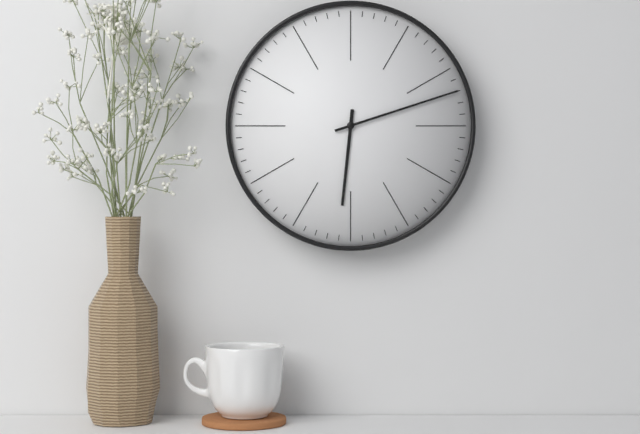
6:12
